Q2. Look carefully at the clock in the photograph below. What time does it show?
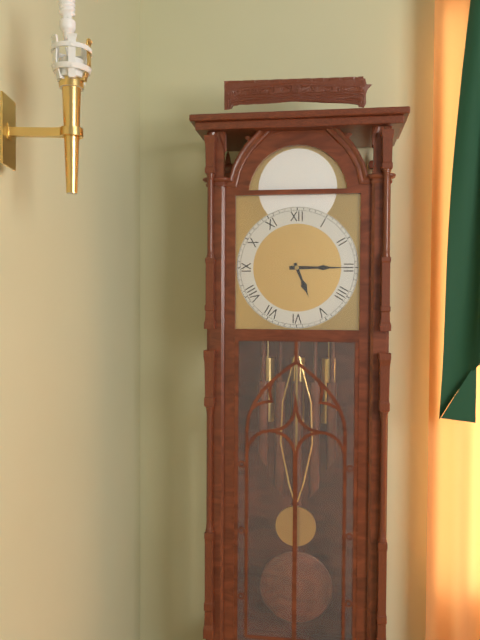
5:15
